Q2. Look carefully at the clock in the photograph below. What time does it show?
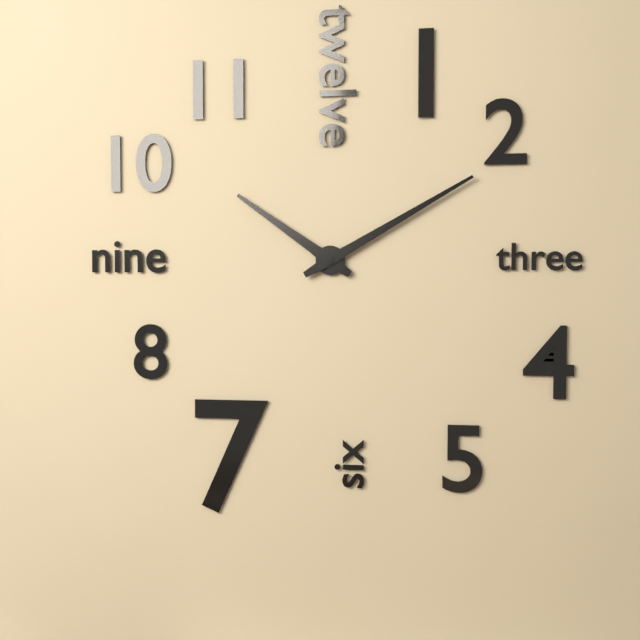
10:10
